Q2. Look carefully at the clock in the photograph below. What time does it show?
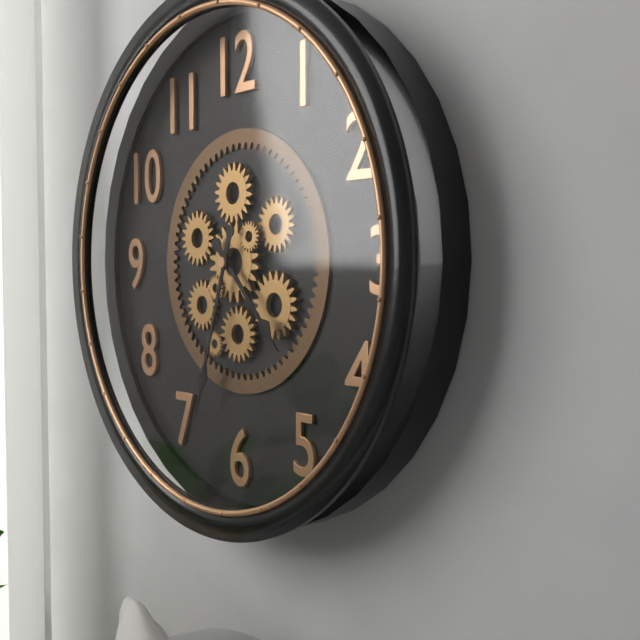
4:33
